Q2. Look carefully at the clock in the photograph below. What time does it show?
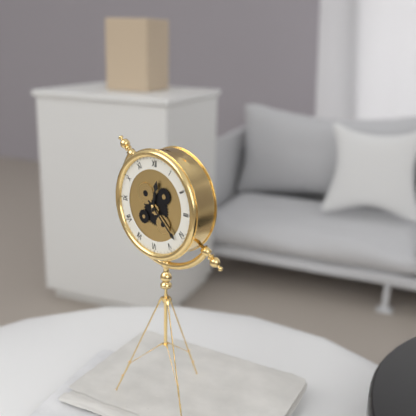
12:22
